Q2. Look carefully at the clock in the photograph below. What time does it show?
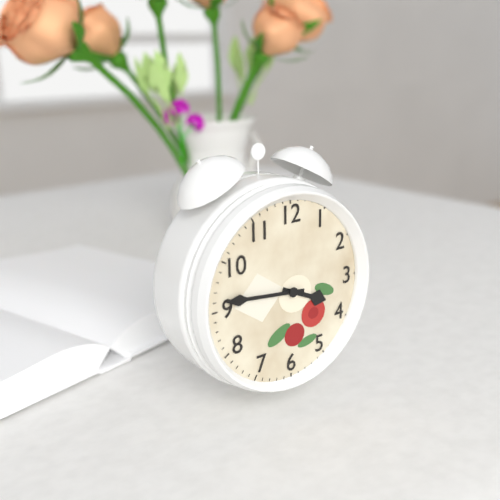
3:46
